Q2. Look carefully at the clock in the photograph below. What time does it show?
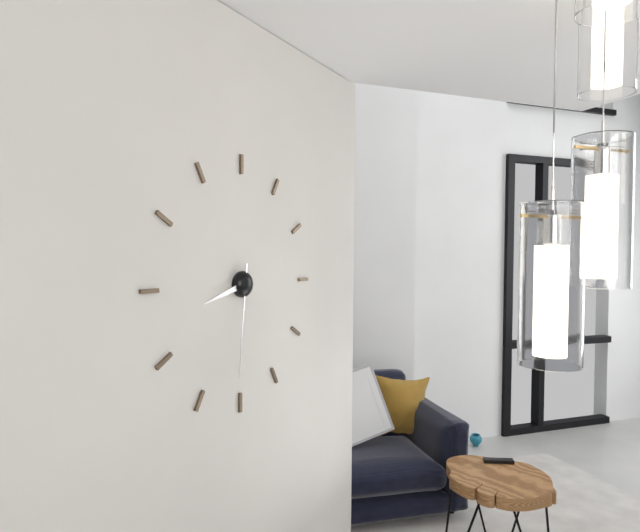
8:31
